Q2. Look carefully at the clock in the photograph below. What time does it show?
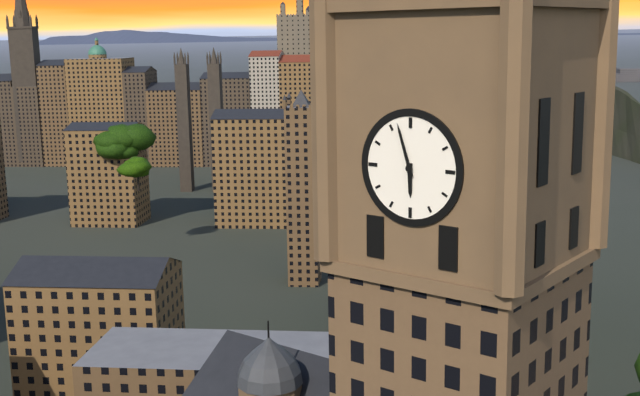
5:57
